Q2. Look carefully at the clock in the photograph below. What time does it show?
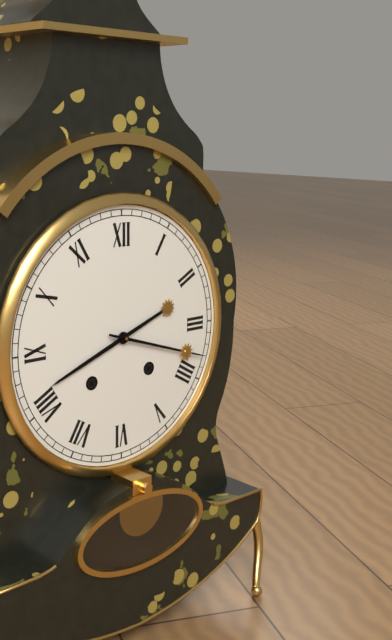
8:18
